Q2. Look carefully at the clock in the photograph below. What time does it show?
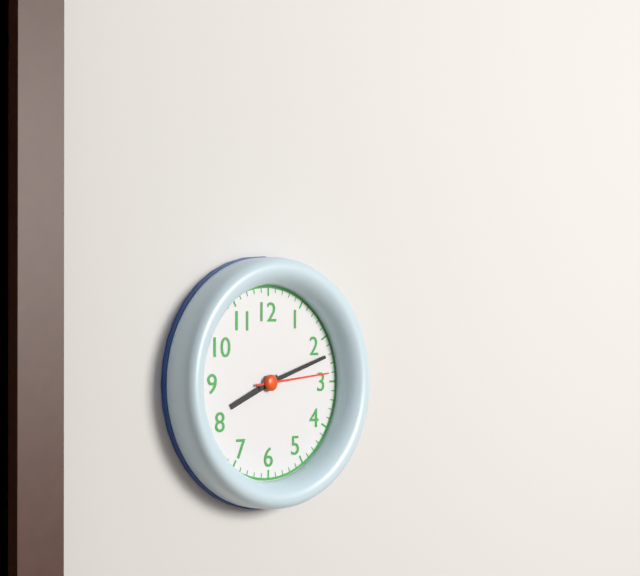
8:12:14
